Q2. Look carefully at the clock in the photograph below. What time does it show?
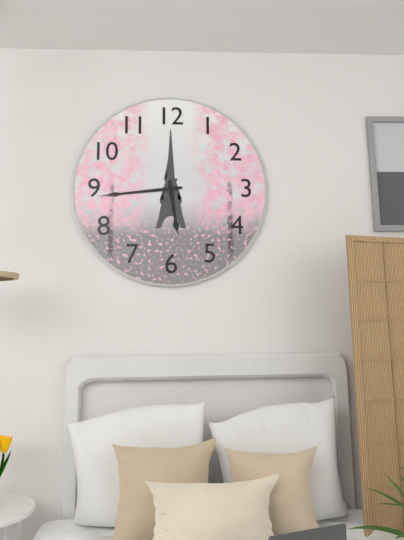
5:44
